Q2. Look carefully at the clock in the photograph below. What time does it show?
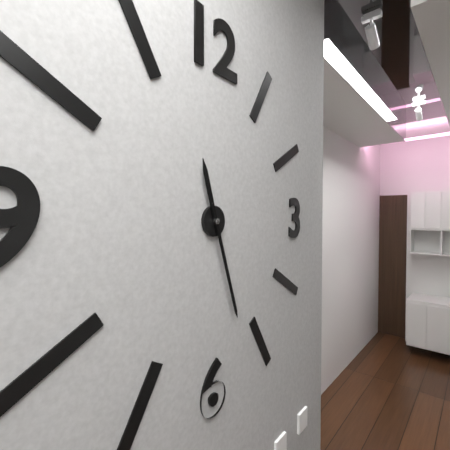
11:27
